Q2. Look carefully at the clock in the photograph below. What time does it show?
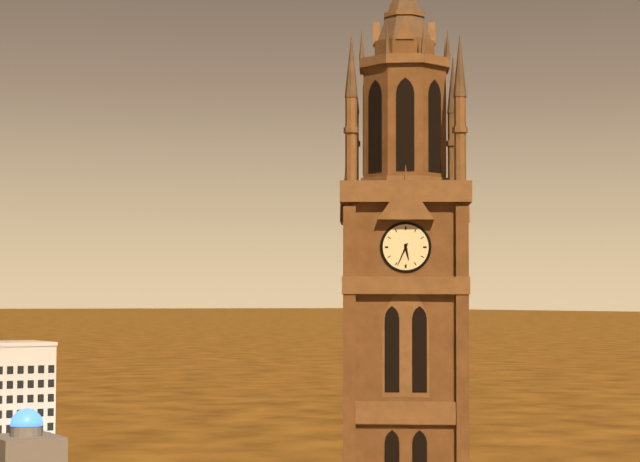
5:34
